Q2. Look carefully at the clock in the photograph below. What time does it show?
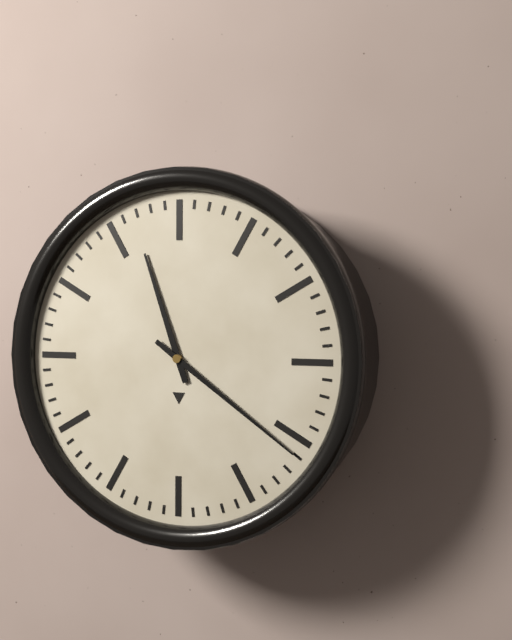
11:21
